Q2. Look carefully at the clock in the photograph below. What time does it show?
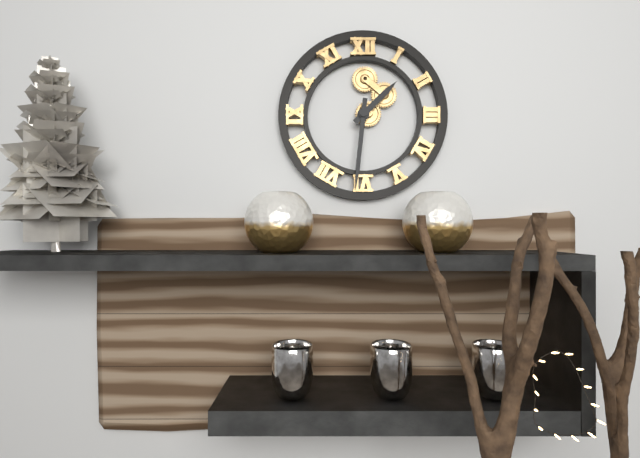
1:31
